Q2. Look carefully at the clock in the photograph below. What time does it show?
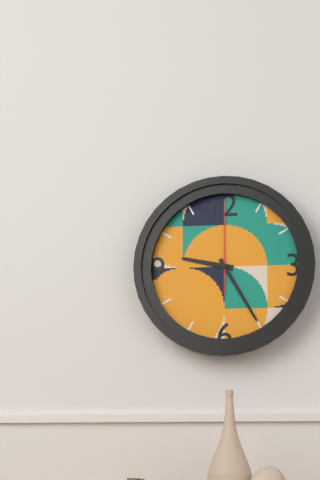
9:25:00
